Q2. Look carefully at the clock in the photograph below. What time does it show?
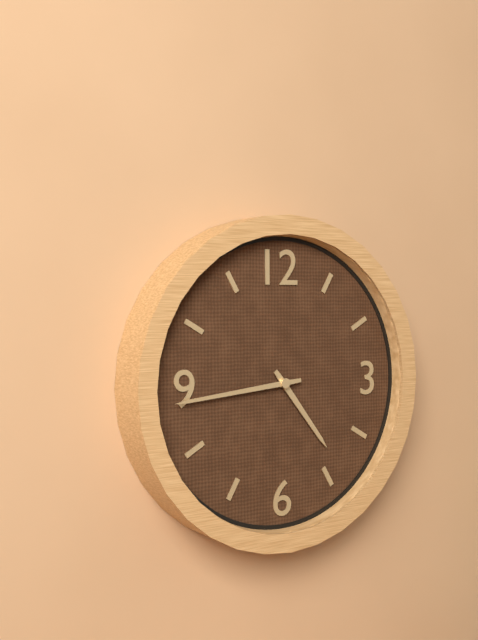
4:44
